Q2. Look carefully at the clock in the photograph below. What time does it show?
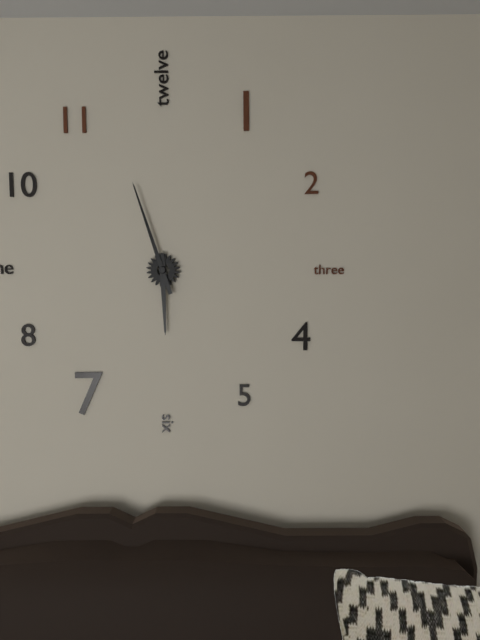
5:57
